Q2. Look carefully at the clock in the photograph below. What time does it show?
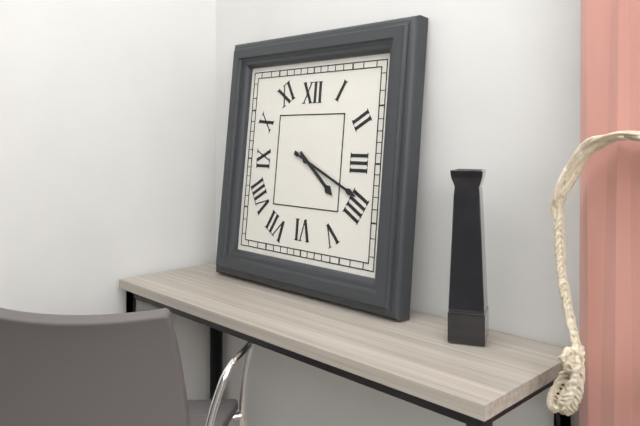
4:19
